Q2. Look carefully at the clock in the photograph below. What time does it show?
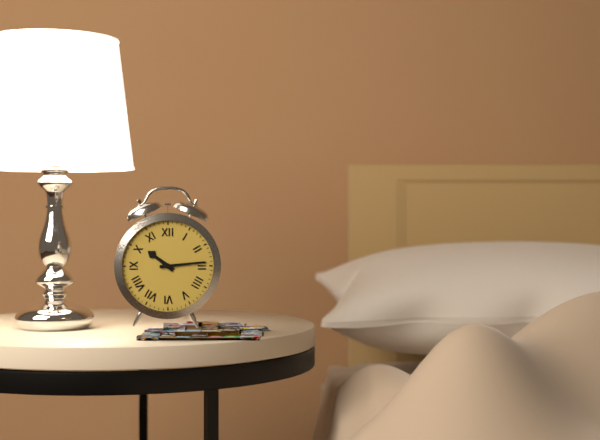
10:14
